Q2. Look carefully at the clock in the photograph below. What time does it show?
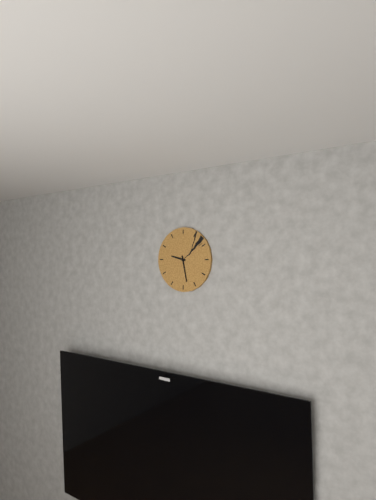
9:28
